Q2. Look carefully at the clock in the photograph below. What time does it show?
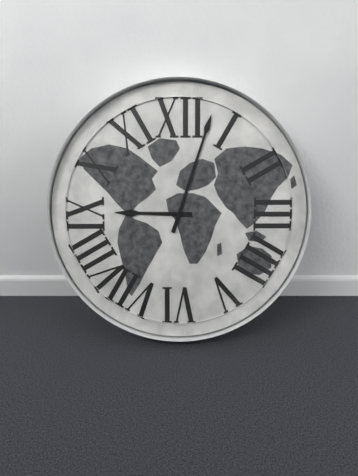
9:03
